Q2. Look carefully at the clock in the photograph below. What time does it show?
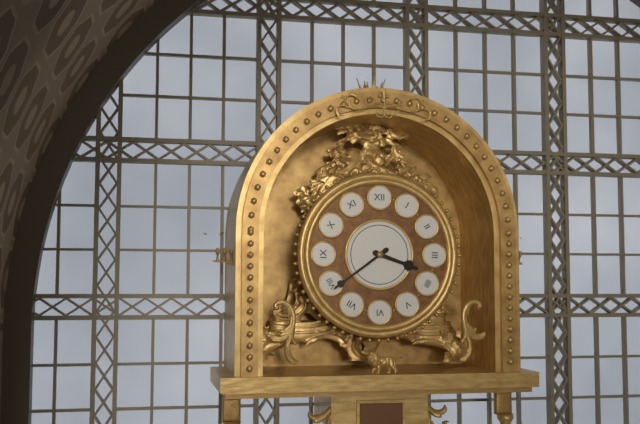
3:39
